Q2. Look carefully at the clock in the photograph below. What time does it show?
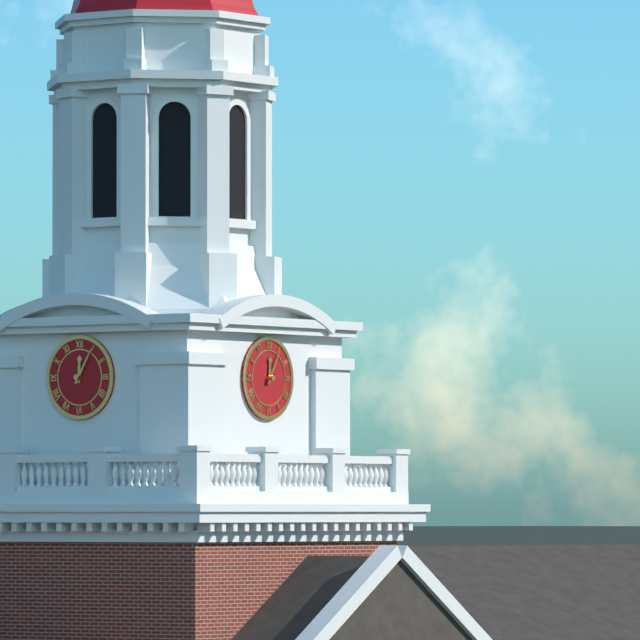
12:05
